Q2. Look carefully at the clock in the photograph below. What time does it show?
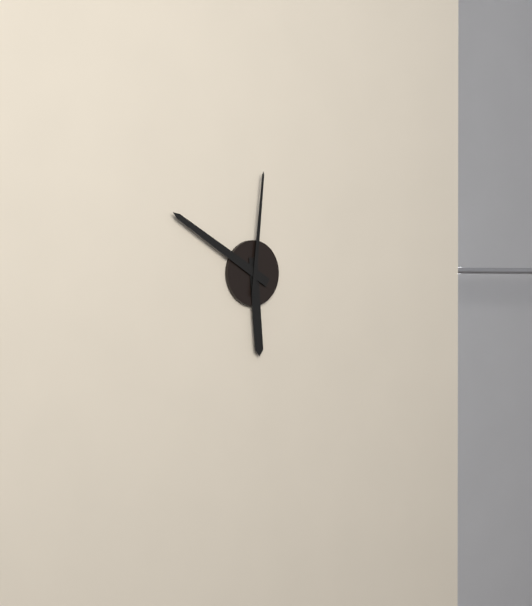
5:50:01
